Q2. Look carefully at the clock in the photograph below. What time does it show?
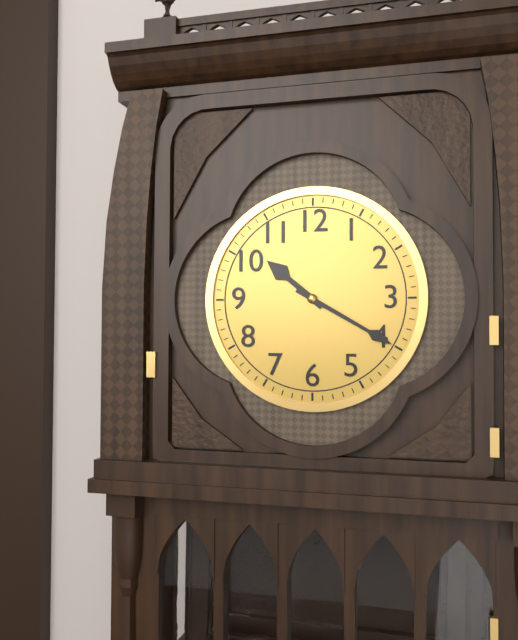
10:20
